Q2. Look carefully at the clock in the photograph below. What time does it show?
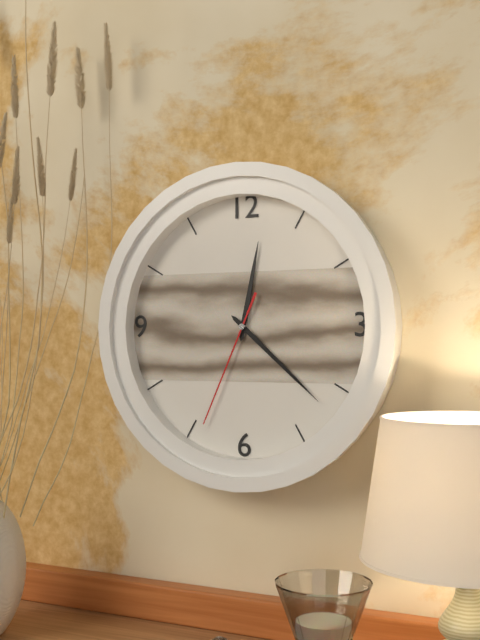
12:22:34
